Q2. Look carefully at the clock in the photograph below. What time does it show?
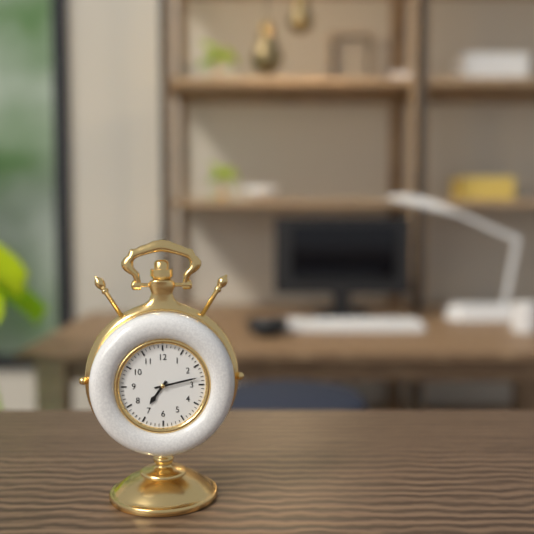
7:13
